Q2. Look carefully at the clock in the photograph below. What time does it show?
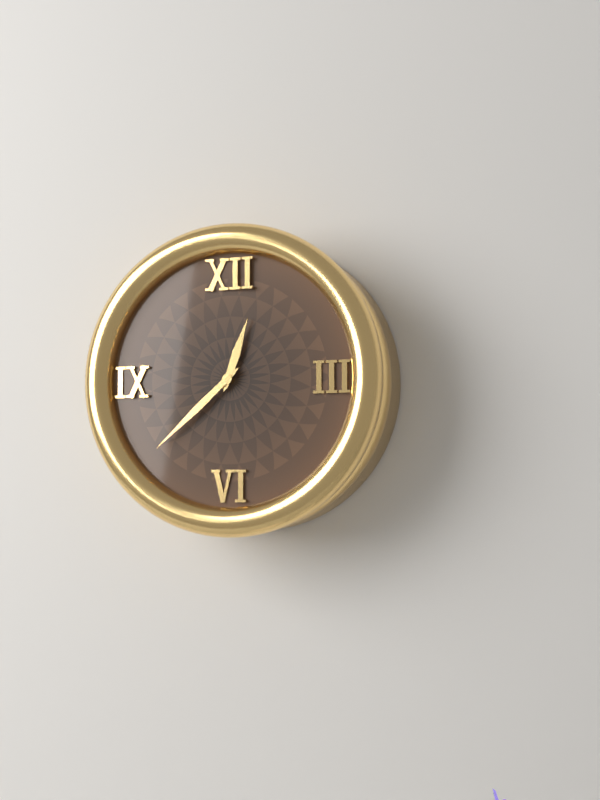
12:38
